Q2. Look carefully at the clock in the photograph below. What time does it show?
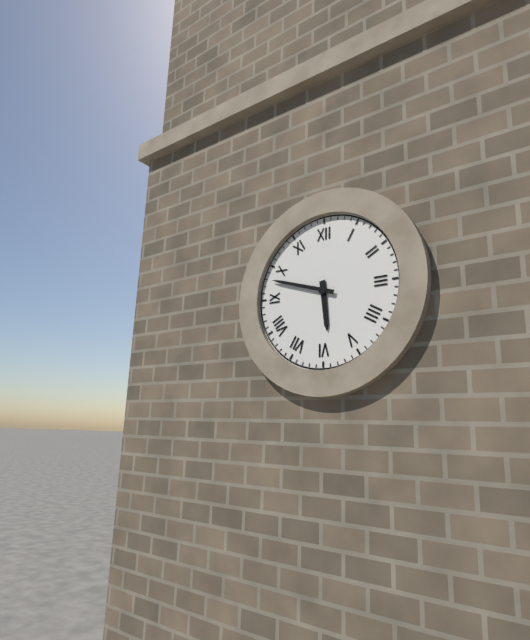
5:48
